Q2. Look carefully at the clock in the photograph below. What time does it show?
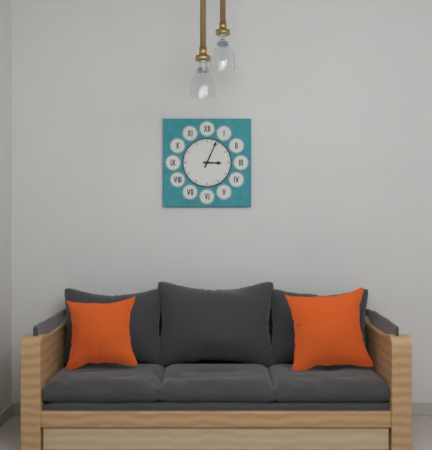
3:04
